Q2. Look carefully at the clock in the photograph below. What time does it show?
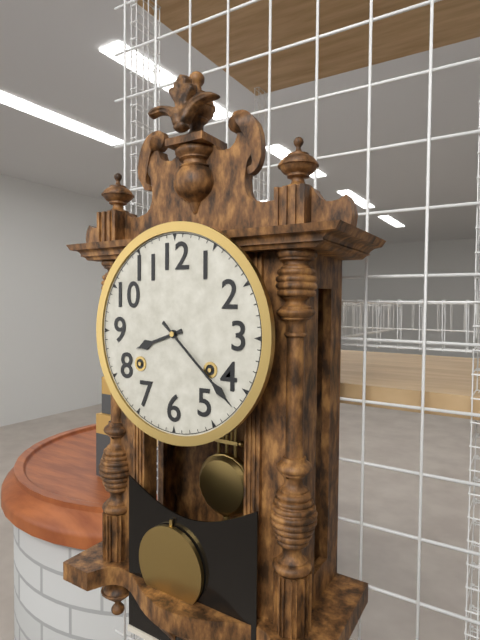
8:22
